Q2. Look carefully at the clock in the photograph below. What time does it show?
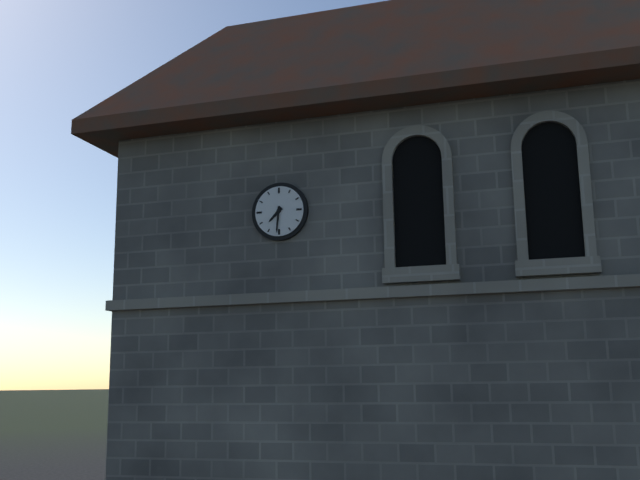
7:31
